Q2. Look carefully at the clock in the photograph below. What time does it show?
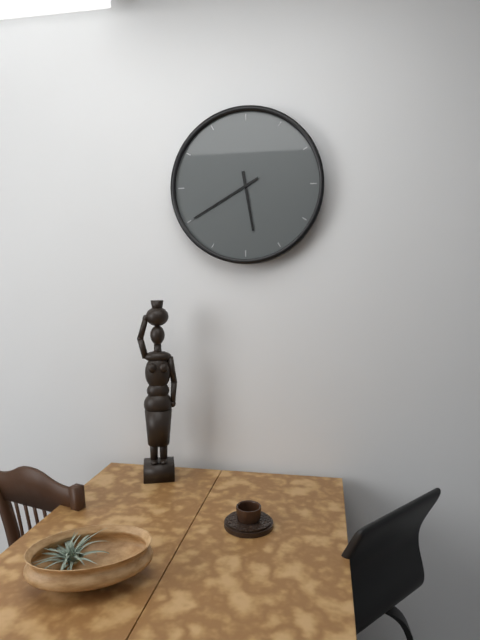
5:40
